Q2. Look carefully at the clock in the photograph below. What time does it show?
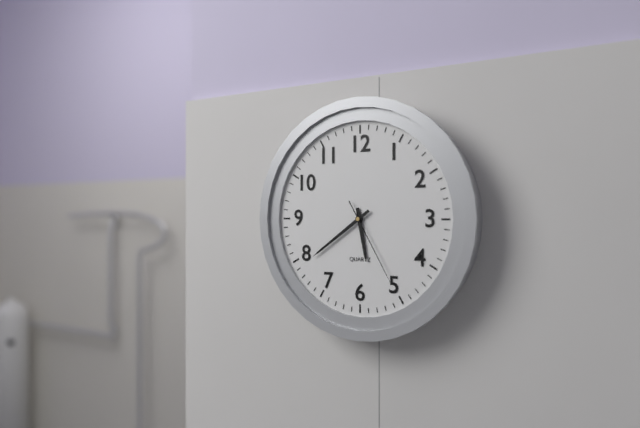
5:39:25
